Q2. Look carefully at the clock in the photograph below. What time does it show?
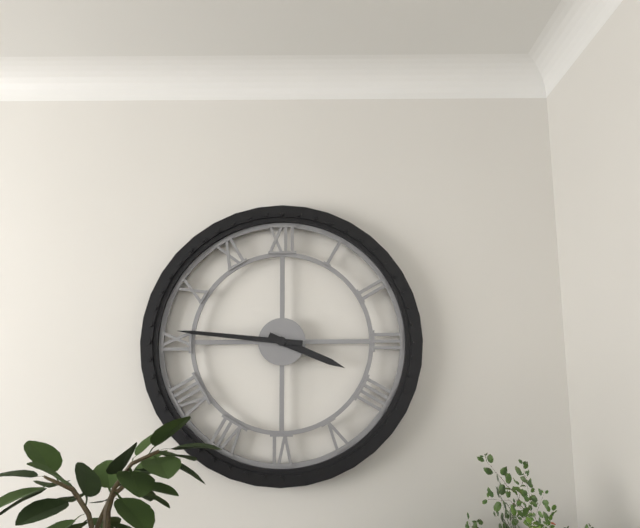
3:46
